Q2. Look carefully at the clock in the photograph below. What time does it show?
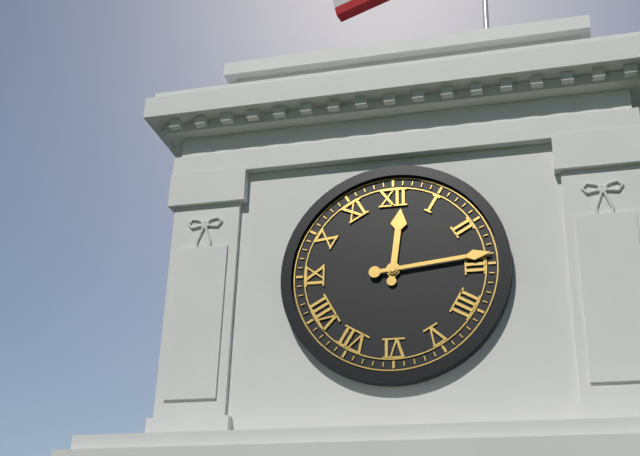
12:14
